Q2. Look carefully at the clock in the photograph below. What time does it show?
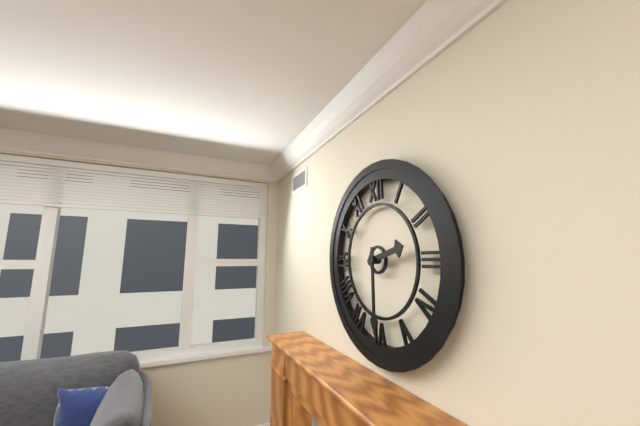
2:30
